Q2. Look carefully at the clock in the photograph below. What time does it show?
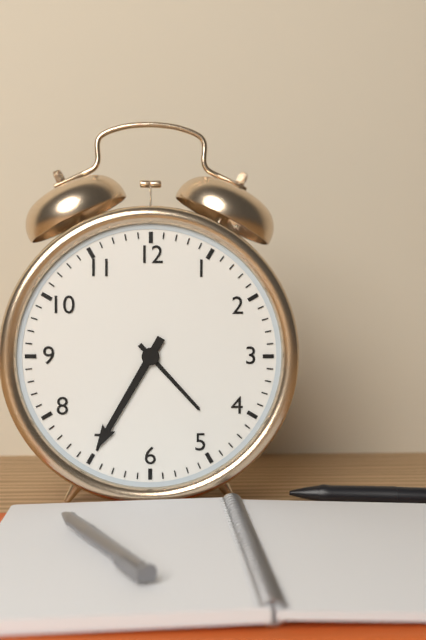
4:35
